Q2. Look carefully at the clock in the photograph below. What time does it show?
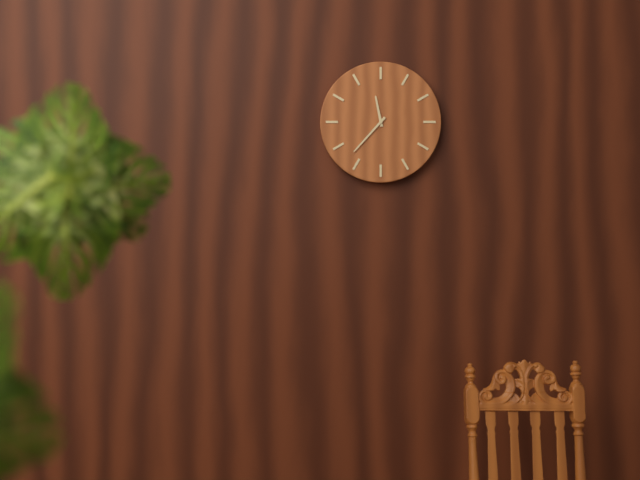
11:37
